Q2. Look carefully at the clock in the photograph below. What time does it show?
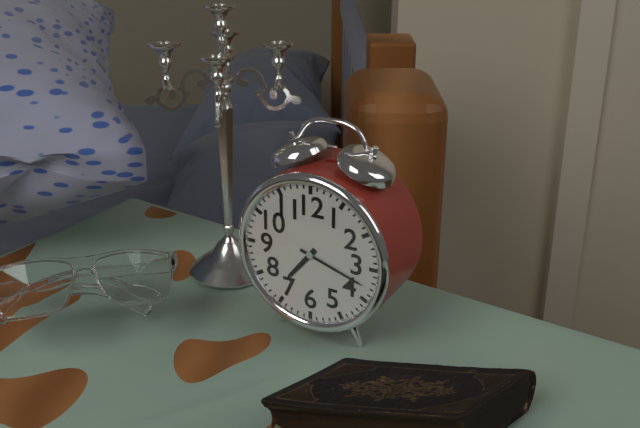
7:18
